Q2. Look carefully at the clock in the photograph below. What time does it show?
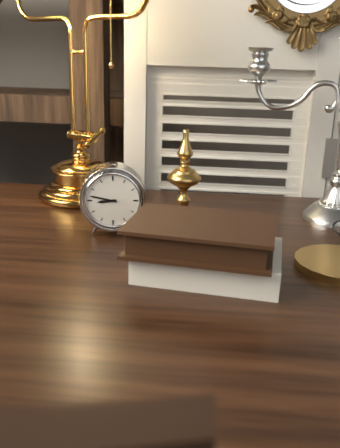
8:47
